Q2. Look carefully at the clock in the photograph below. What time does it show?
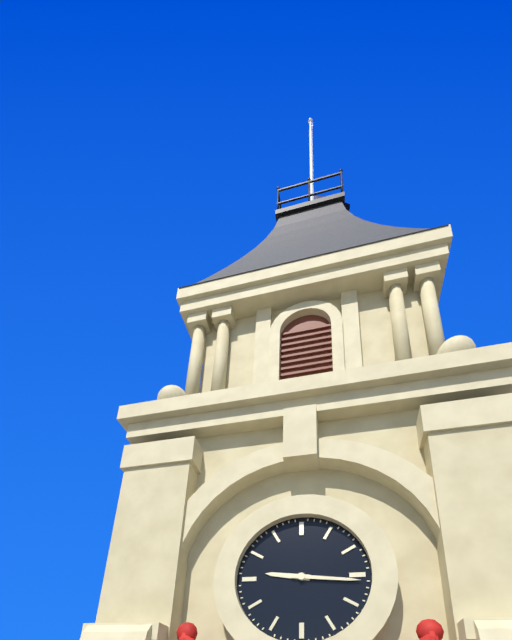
9:16
